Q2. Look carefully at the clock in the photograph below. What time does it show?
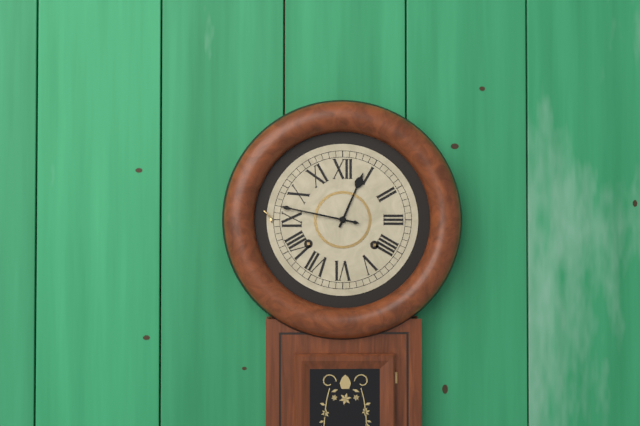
12:47
